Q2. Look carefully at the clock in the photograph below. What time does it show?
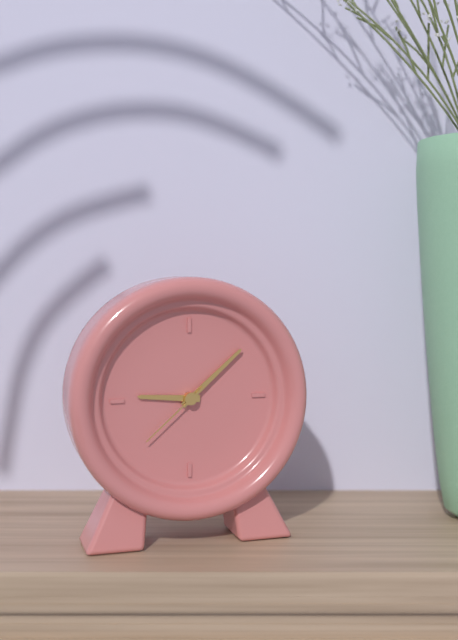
9:08:38
